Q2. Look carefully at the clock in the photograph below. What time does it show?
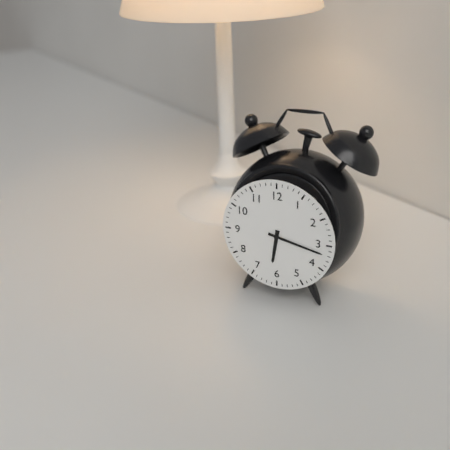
6:17
